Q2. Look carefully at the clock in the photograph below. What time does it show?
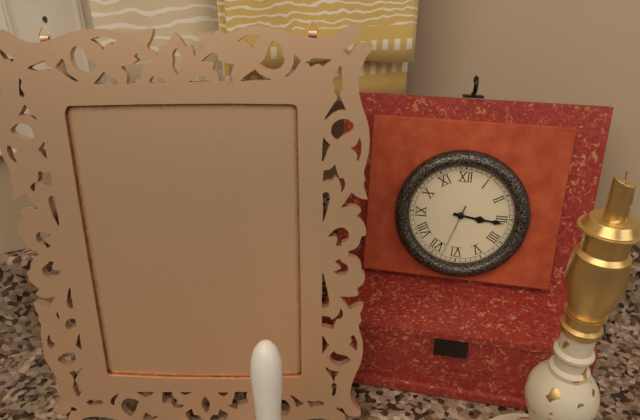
3:16:33
